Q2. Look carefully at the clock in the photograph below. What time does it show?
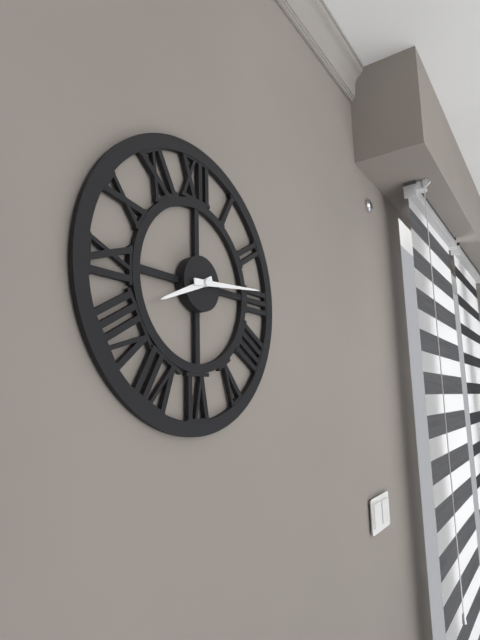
8:14
